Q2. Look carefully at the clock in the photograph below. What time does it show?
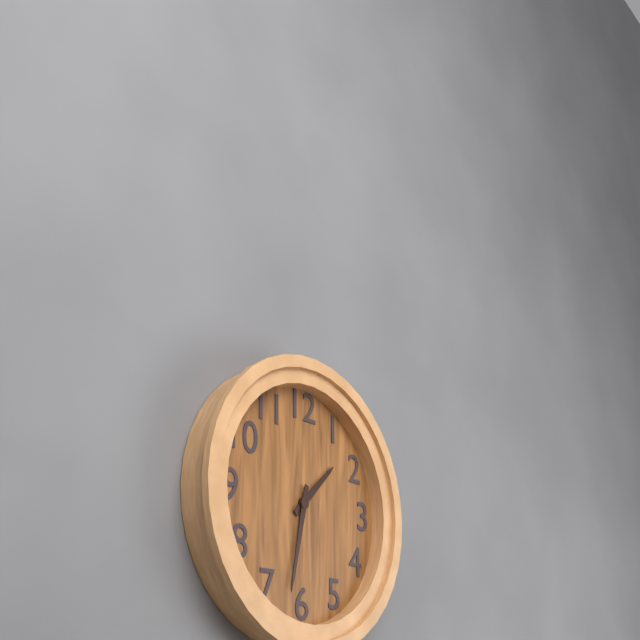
1:32
